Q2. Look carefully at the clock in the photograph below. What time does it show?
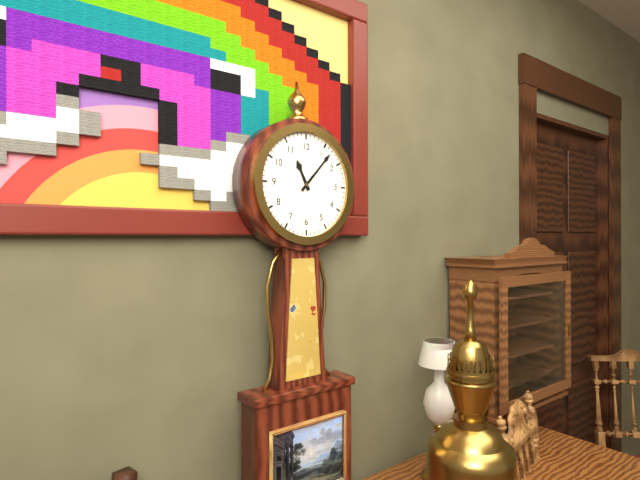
11:07
